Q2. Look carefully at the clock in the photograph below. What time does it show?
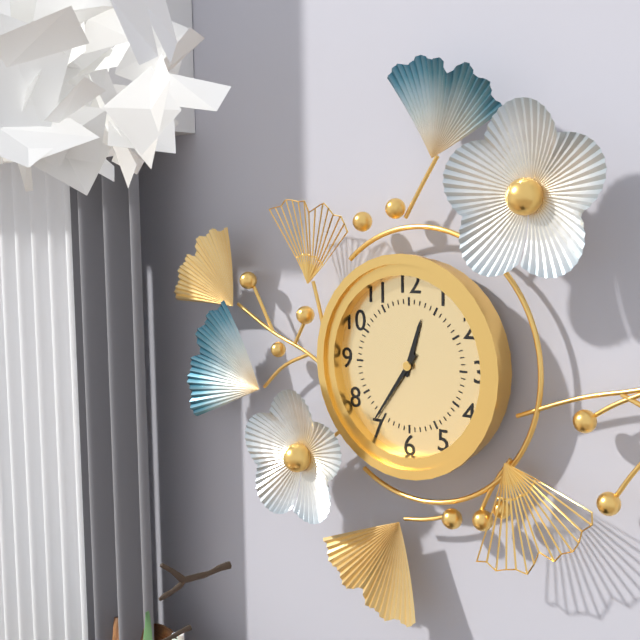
12:36
